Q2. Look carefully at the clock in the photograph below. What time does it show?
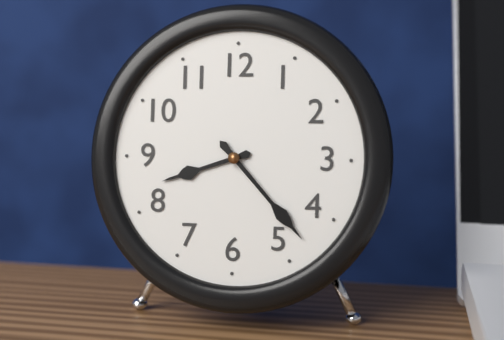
8:23
